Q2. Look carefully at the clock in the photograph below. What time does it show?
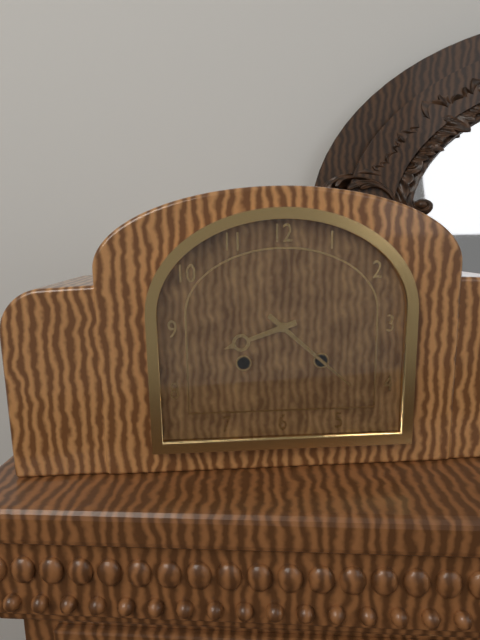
8:22
